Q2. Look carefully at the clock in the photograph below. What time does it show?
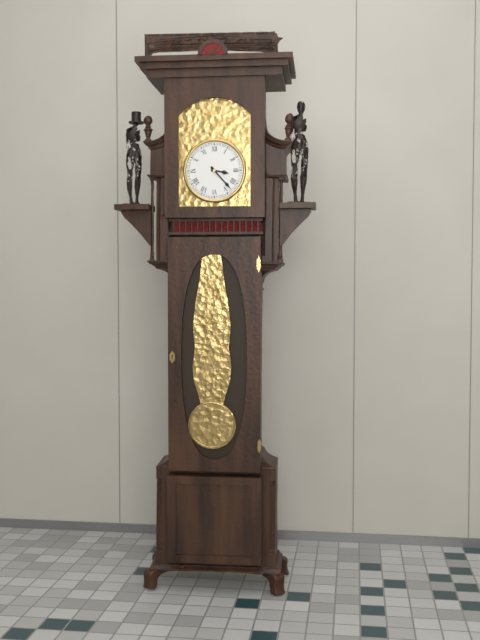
3:23
